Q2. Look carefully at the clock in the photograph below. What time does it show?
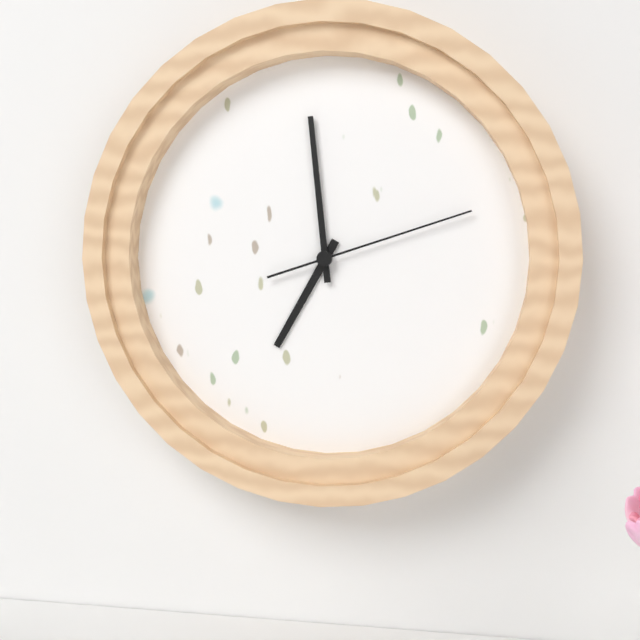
6:59:12
